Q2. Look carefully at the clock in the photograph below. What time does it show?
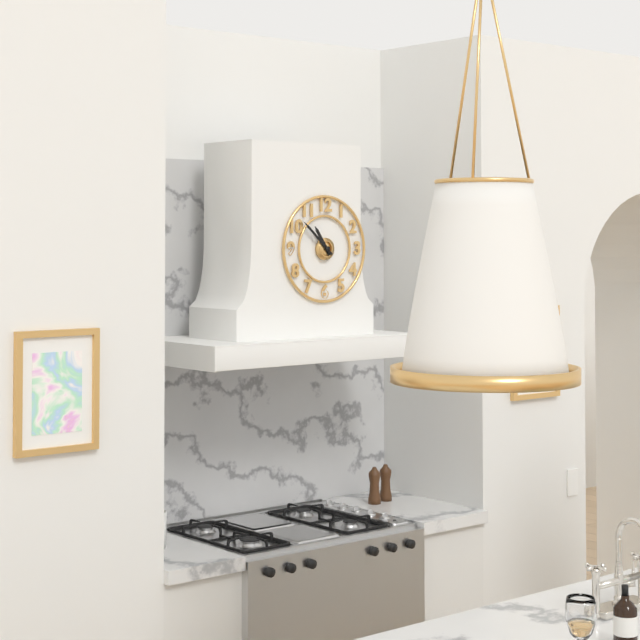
10:52
